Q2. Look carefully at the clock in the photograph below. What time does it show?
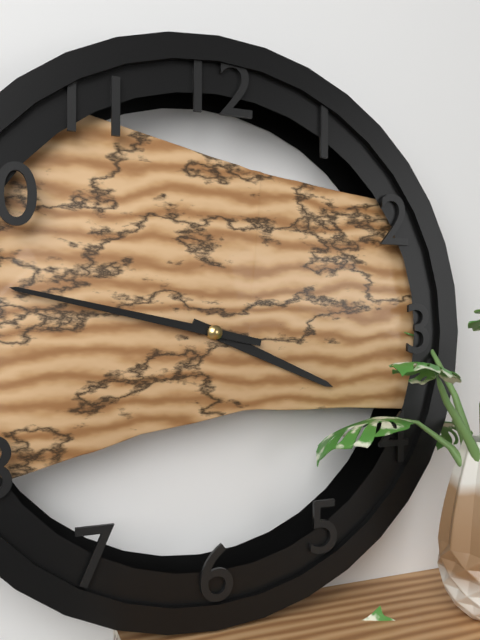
3:47
